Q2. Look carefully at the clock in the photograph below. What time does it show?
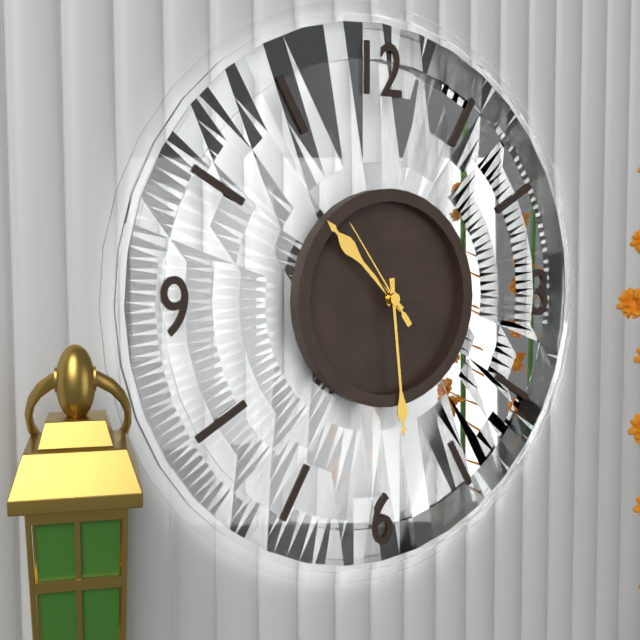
10:29:54
